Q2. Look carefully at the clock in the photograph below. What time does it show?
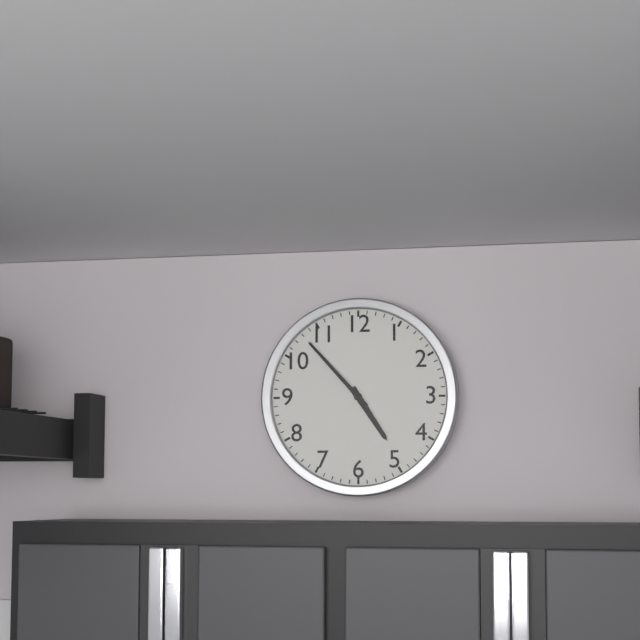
4:53
